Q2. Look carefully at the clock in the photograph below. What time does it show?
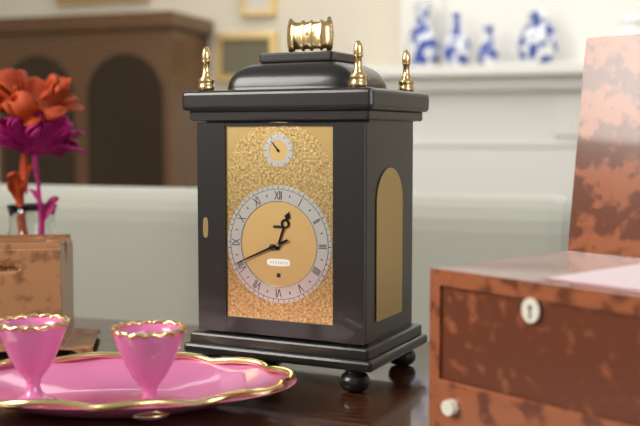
12:41
